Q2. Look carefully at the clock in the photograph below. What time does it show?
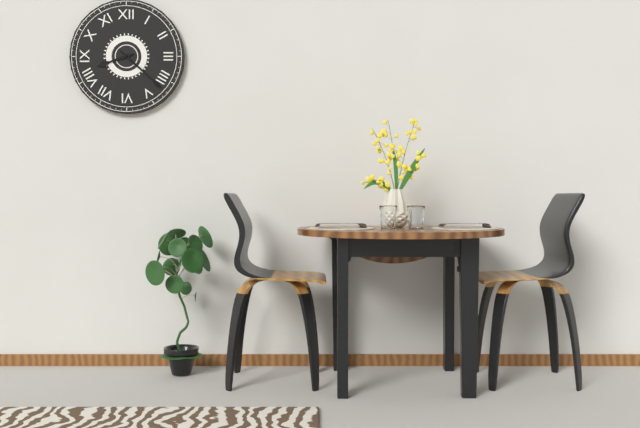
8:22
